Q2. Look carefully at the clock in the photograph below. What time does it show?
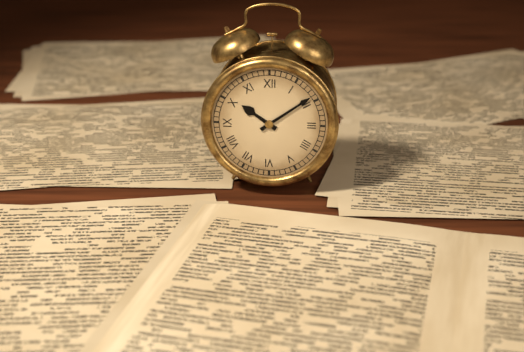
10:09
